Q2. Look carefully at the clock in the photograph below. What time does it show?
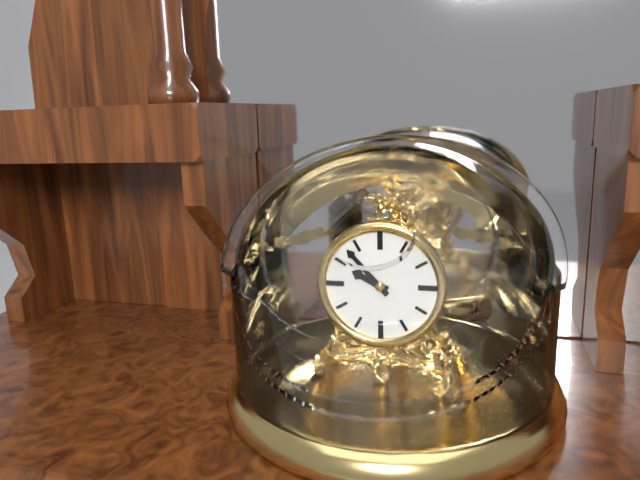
9:53
